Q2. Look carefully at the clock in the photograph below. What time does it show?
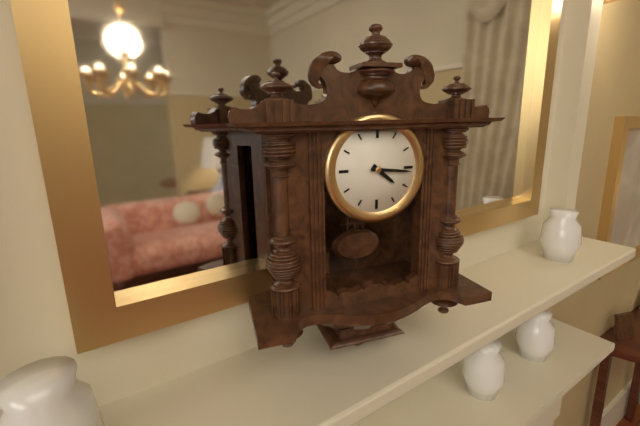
4:16
